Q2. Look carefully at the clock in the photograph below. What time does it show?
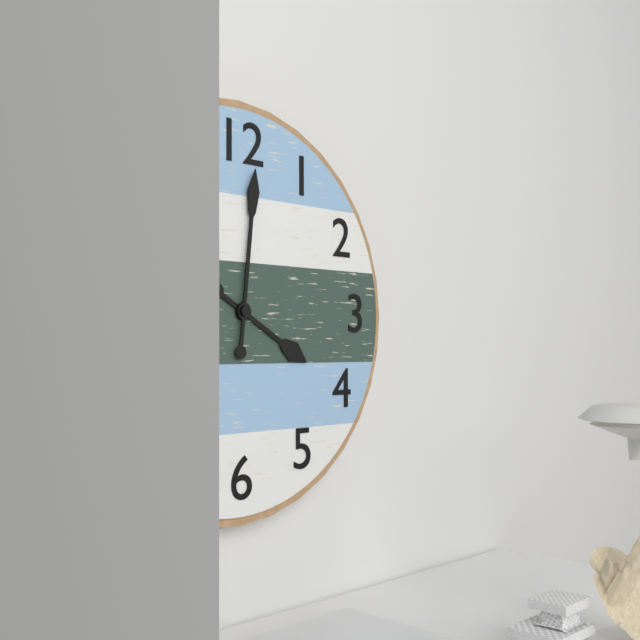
4:01
